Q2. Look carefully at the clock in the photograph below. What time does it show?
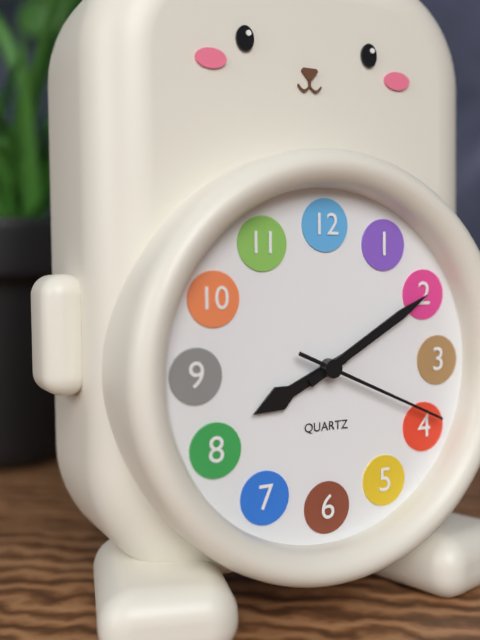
8:10:19
